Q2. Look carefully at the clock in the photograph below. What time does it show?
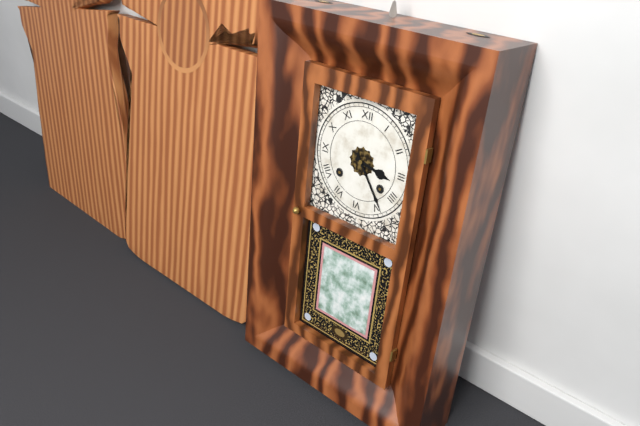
3:24
